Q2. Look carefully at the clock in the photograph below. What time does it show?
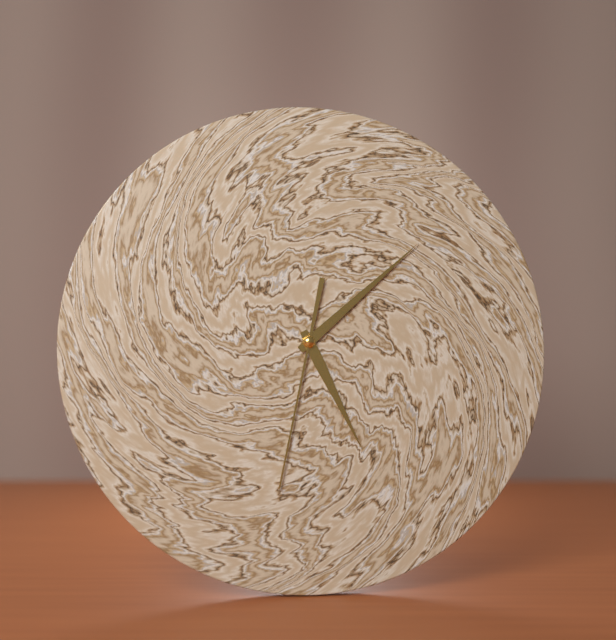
5:08:32
